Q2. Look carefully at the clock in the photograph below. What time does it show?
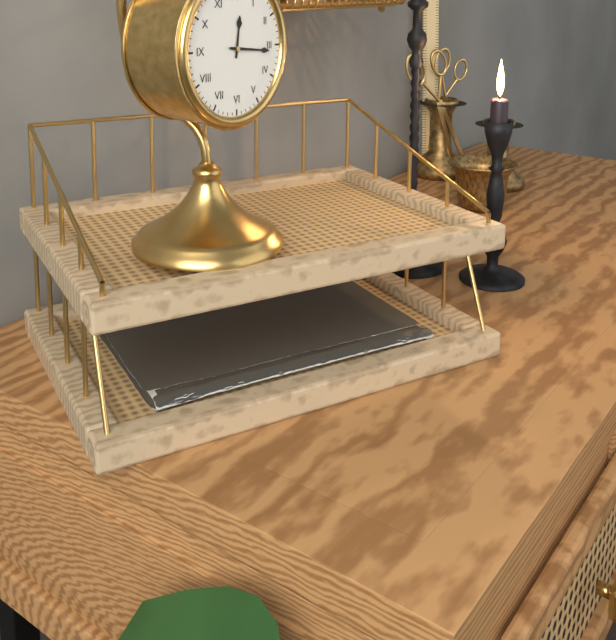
12:16
